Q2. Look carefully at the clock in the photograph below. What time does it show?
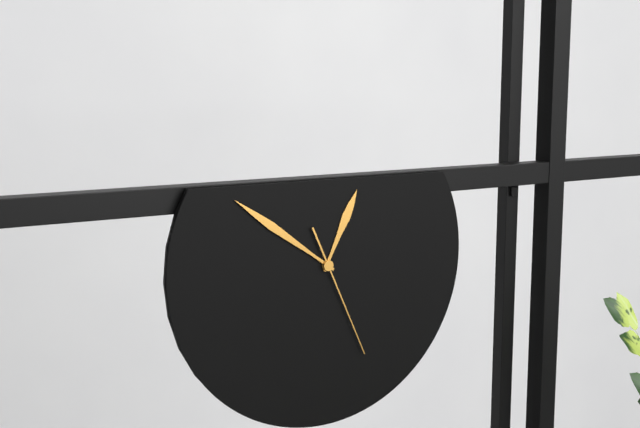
12:51:26
